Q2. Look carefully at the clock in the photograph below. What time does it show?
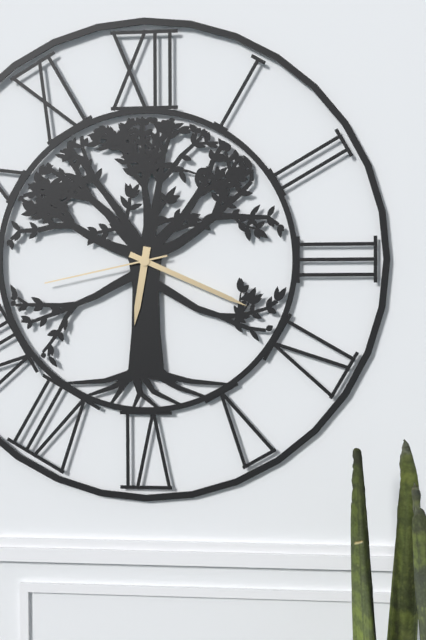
6:19:43
